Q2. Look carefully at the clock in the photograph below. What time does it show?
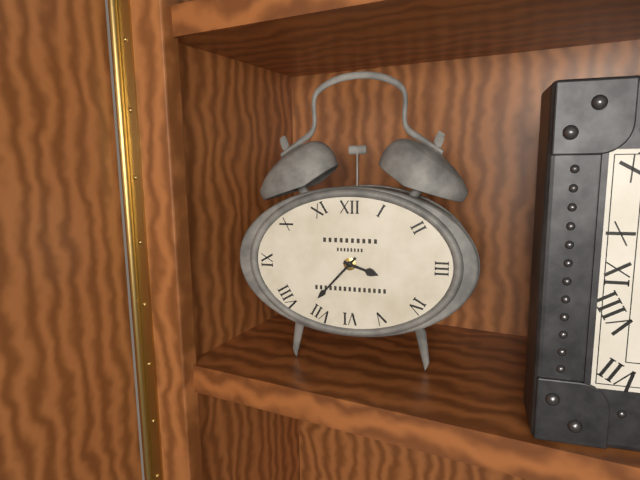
3:37
